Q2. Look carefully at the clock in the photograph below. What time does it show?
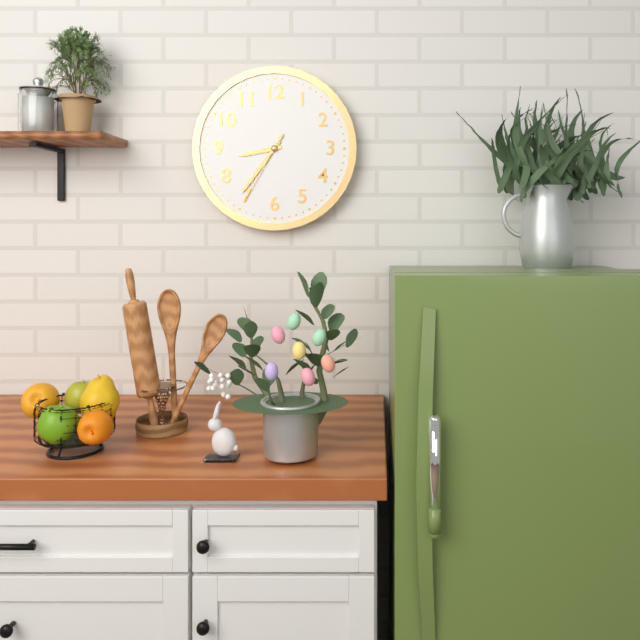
8:36:35
